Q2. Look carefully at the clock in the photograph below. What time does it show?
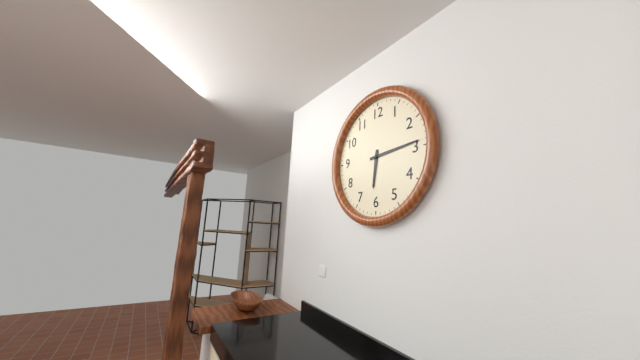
6:14
